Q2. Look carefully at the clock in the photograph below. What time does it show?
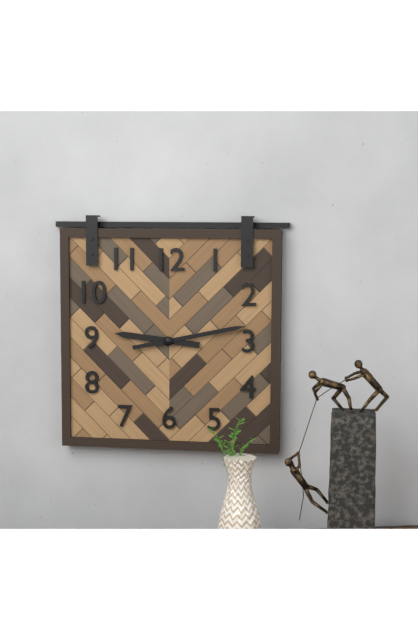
9:13
